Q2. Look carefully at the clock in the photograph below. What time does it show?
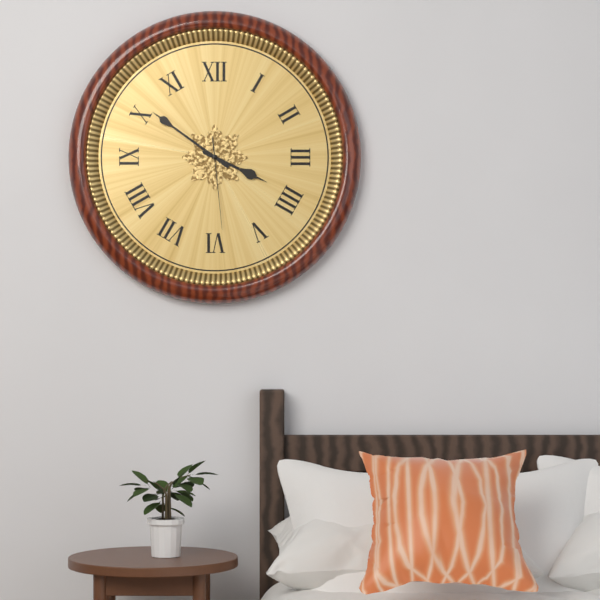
3:51:29
